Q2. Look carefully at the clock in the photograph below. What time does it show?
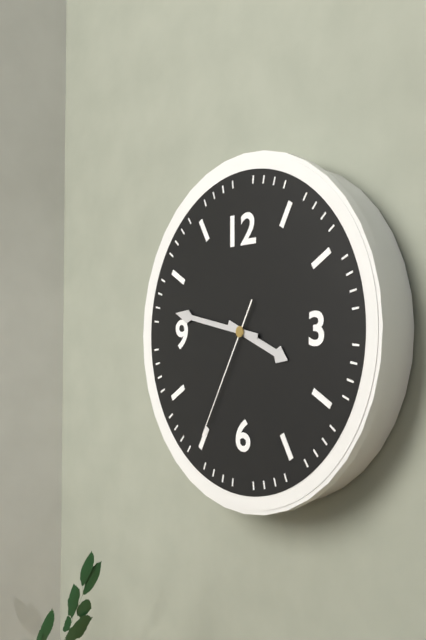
3:47:35
